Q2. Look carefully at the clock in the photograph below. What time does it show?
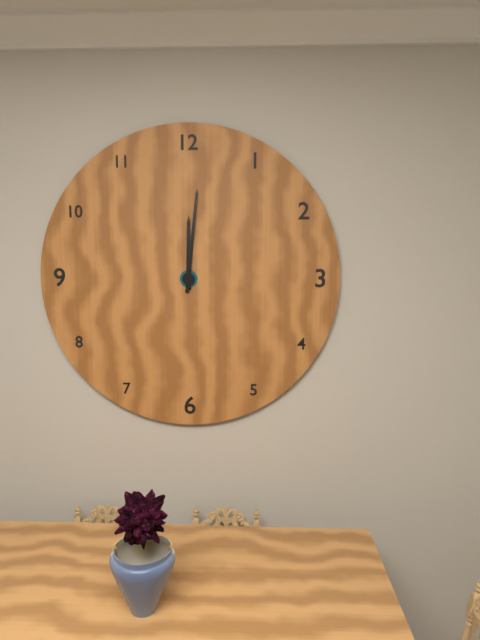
12:01
